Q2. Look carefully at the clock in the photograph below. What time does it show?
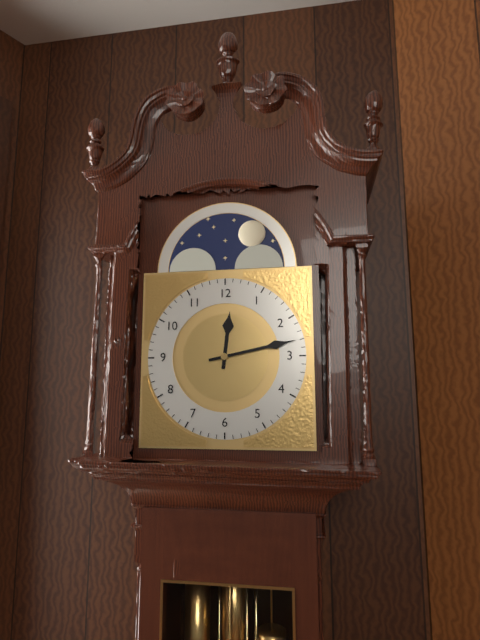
12:13
